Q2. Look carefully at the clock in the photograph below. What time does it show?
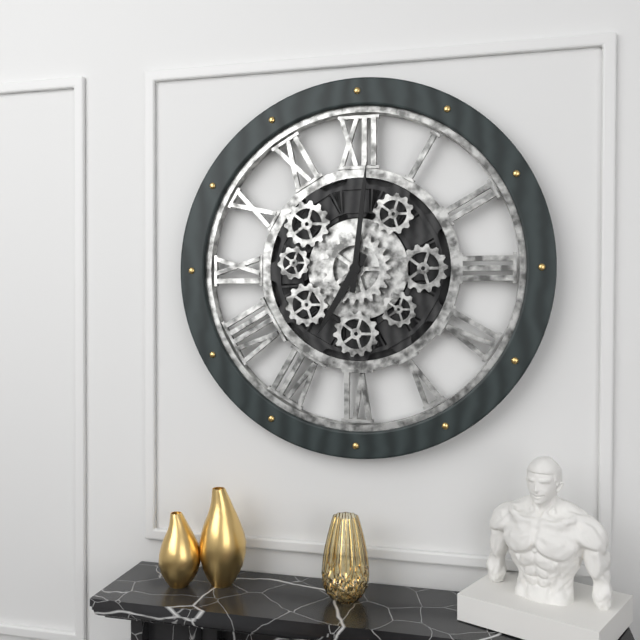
7:01
